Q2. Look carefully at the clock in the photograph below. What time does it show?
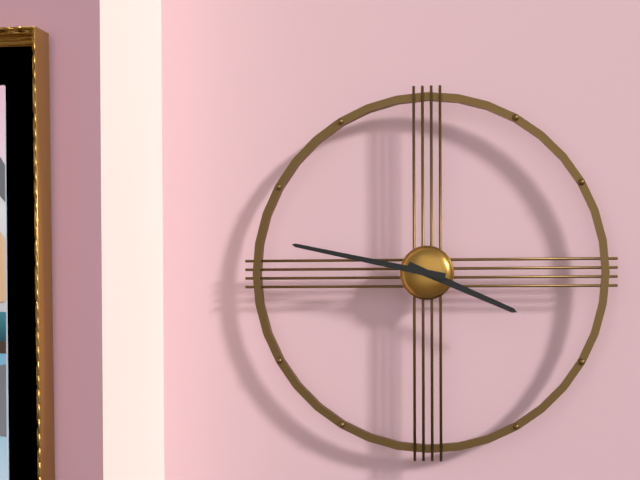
3:47
